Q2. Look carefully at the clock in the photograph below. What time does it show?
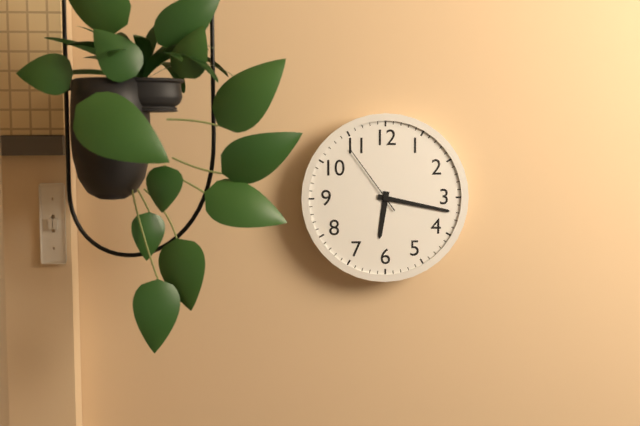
6:17:54
